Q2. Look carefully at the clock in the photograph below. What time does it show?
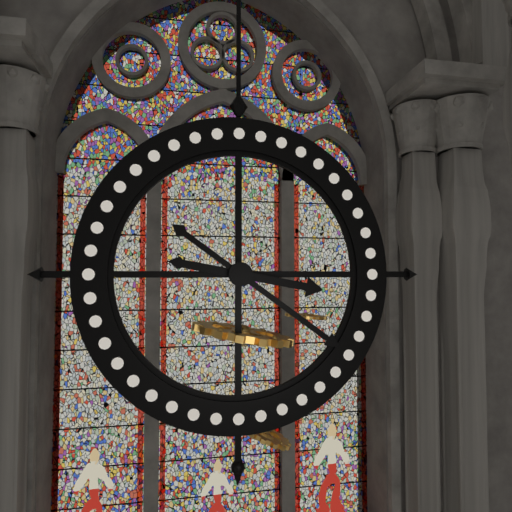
3:21
